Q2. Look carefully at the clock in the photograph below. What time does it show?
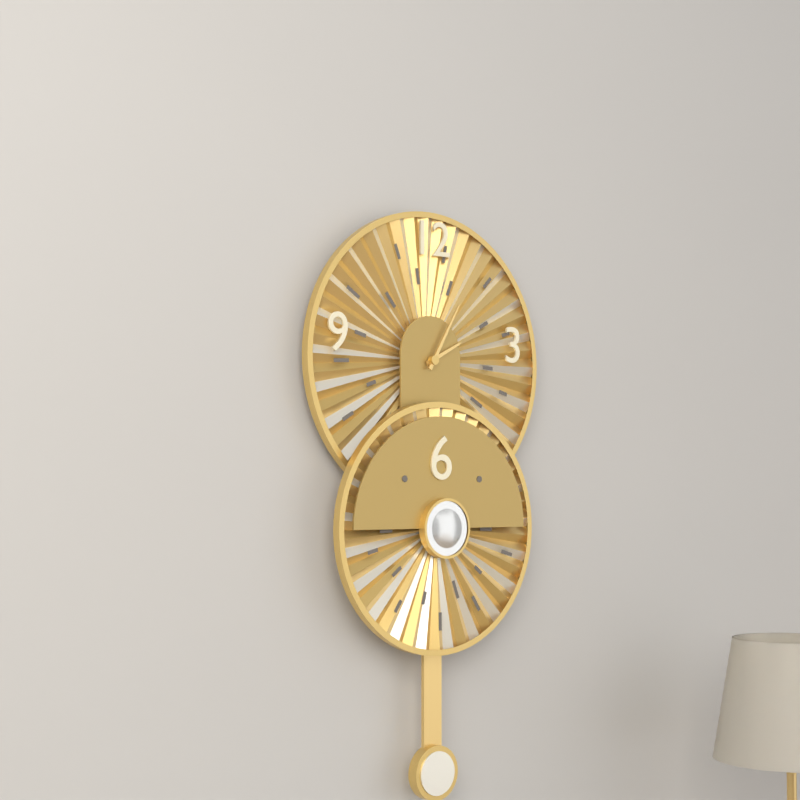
2:05
